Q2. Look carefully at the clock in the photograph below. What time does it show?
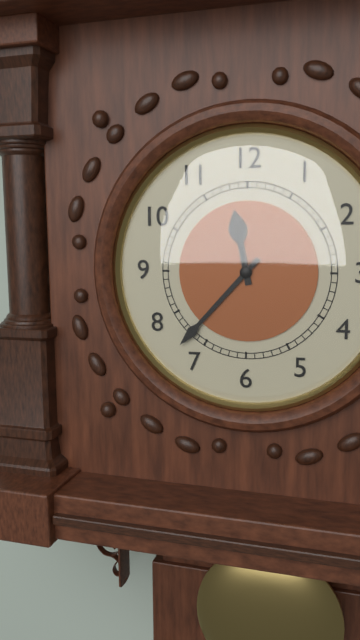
11:37
